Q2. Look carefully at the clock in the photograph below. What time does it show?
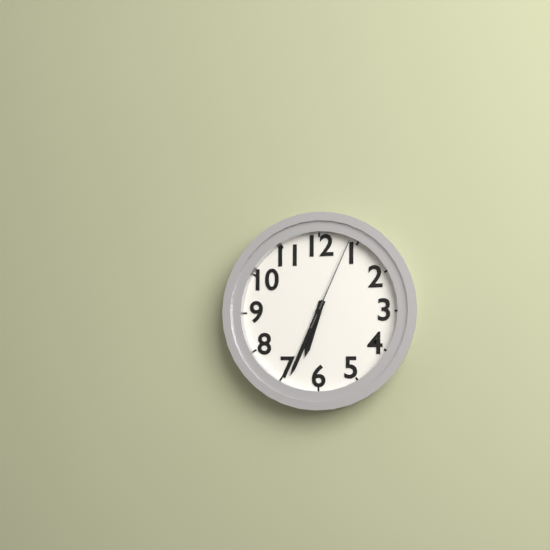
6:34:04
